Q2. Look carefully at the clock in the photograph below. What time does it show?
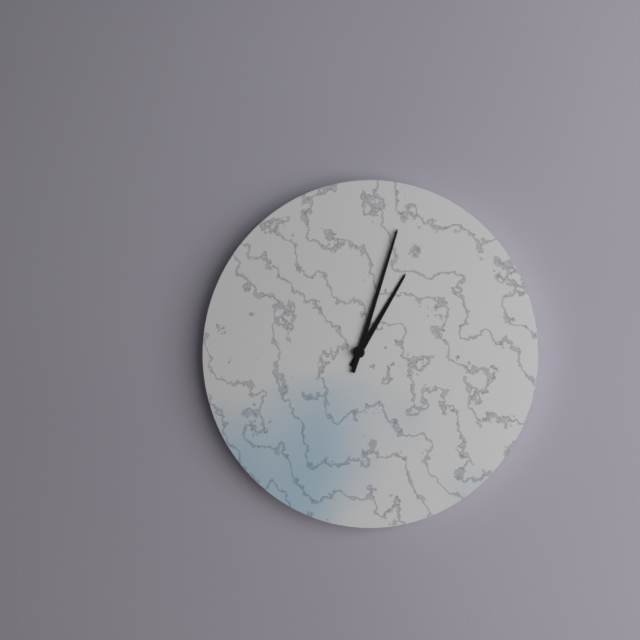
1:03
